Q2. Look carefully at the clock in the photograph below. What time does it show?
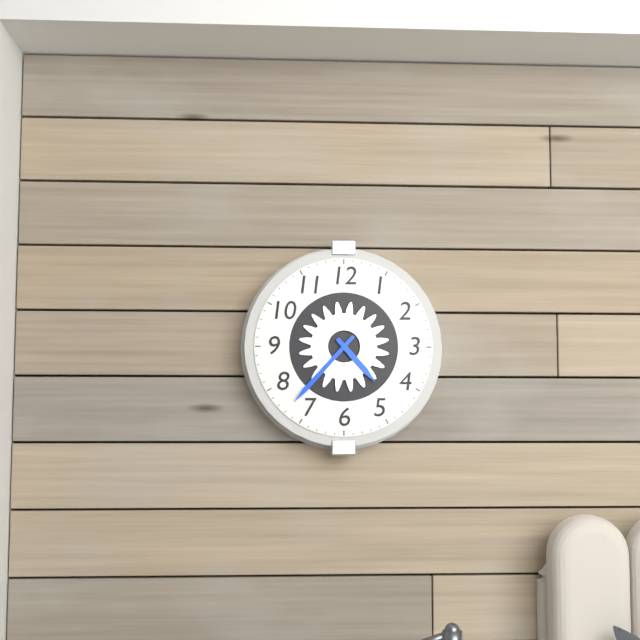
4:37
